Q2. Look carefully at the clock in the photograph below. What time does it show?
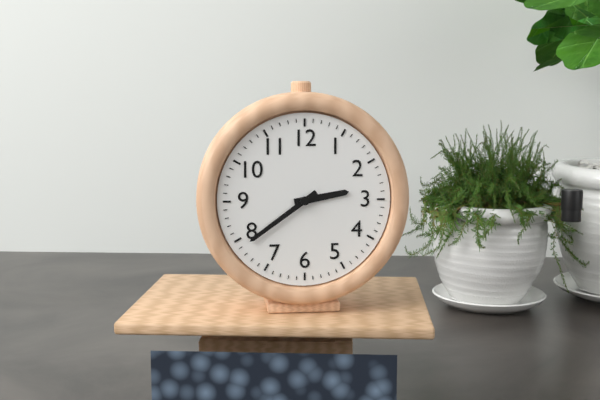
2:39
